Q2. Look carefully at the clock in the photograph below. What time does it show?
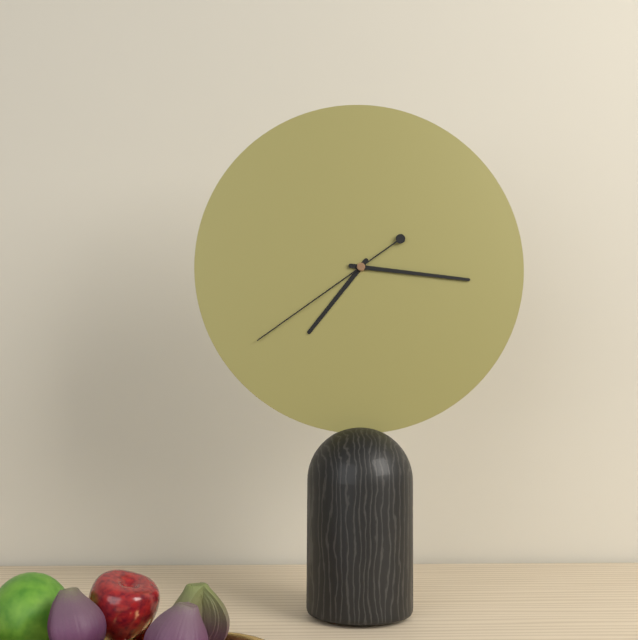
7:16:39
